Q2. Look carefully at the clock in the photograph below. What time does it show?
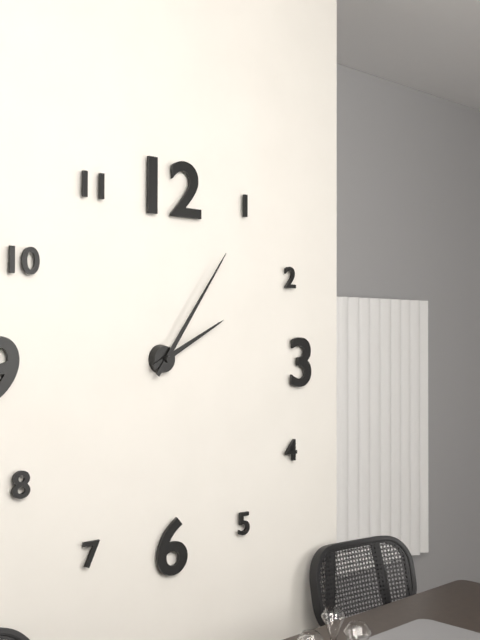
2:06
